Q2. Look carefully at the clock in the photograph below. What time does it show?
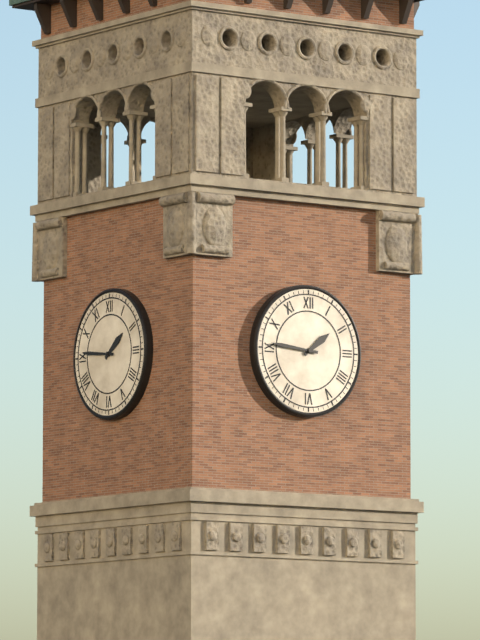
1:46
